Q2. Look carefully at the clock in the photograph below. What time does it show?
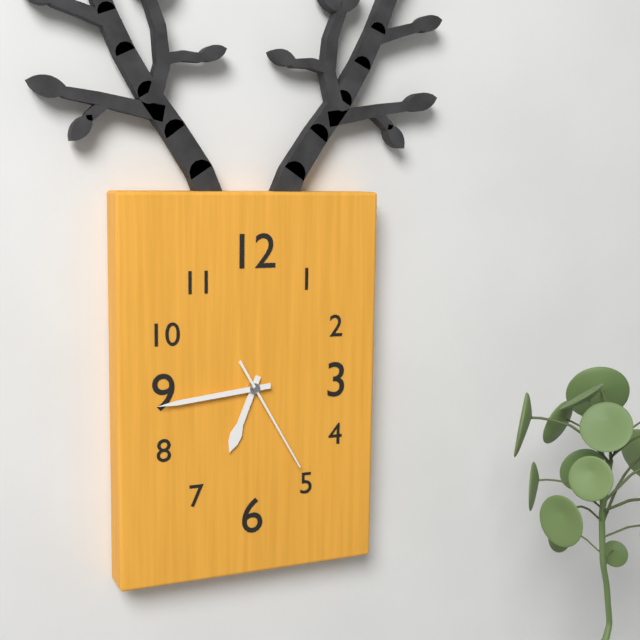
6:44:25
